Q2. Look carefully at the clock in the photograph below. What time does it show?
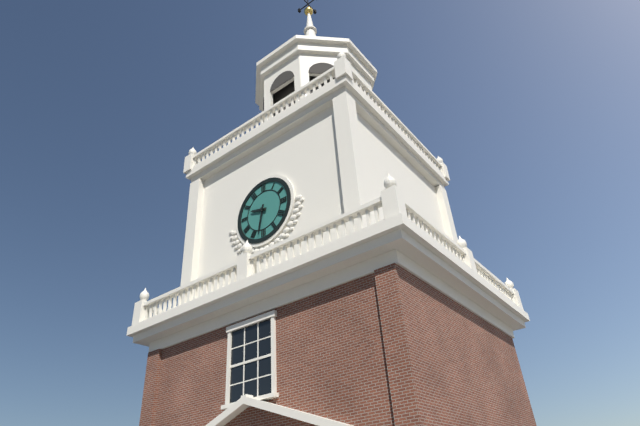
9:32
